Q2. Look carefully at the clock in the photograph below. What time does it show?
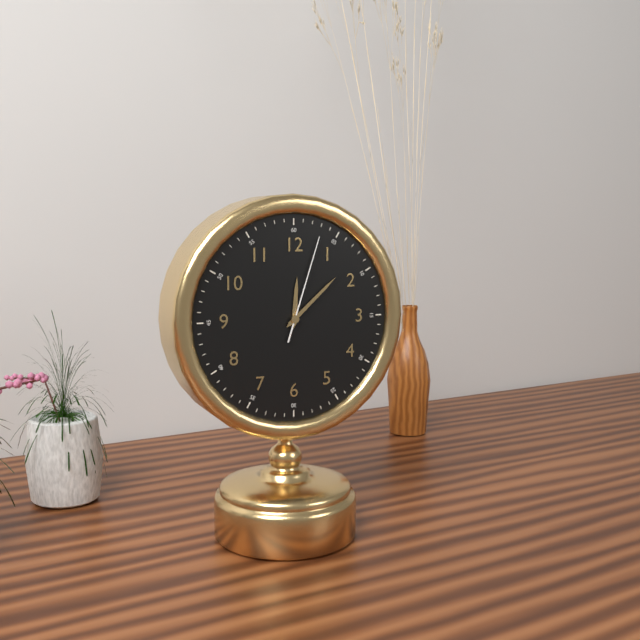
12:08:03
